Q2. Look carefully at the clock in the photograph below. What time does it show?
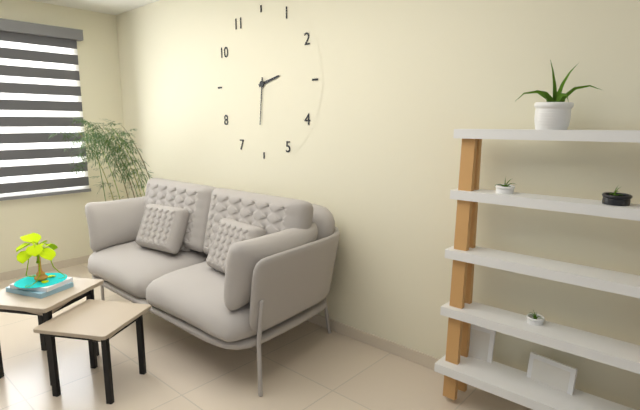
2:31
